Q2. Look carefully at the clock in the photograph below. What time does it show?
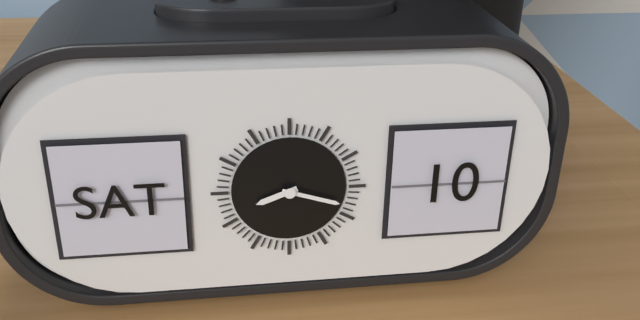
8:18
